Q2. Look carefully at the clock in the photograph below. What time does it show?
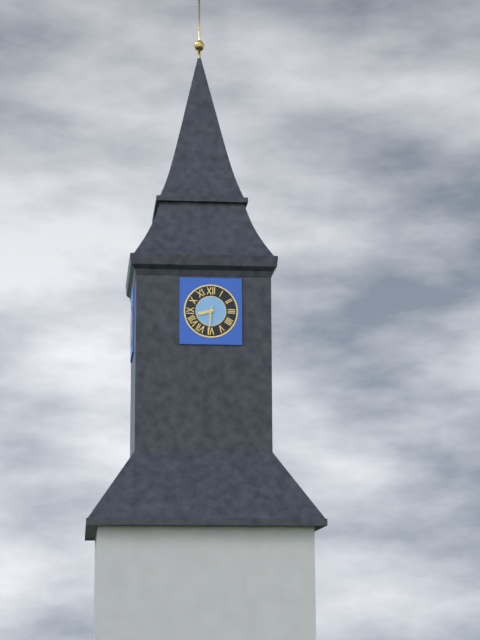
8:31
